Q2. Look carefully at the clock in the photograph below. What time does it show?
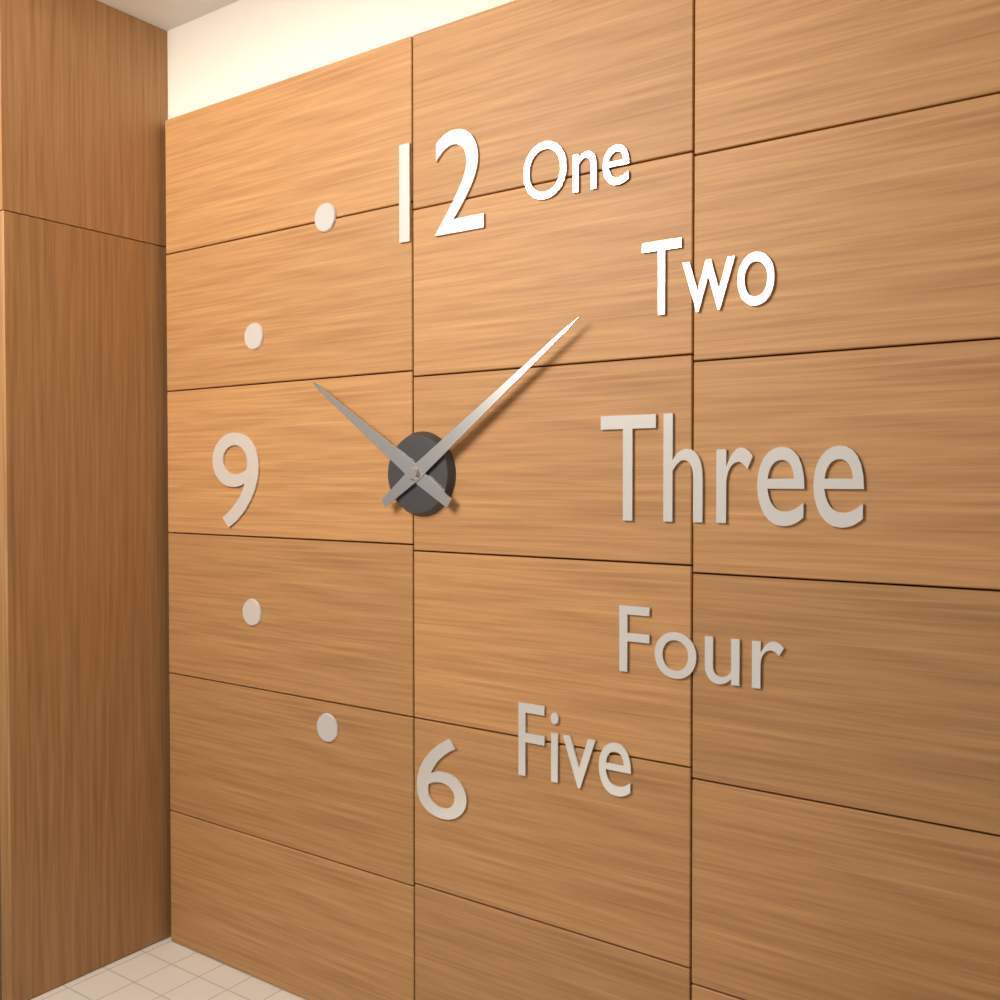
10:09
